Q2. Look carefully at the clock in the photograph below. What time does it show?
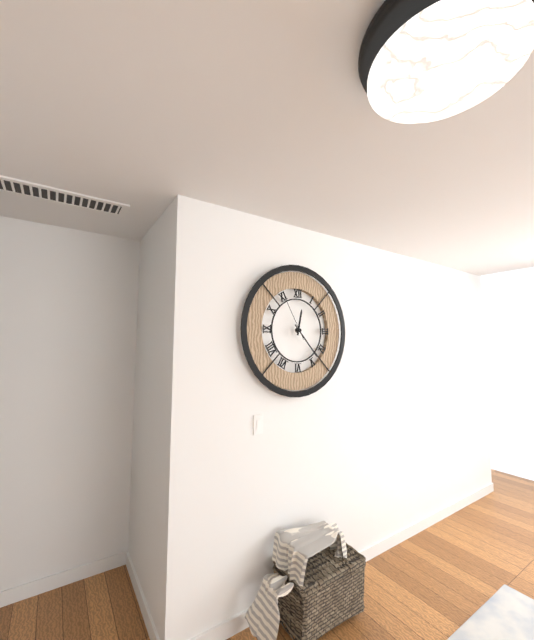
12:23
